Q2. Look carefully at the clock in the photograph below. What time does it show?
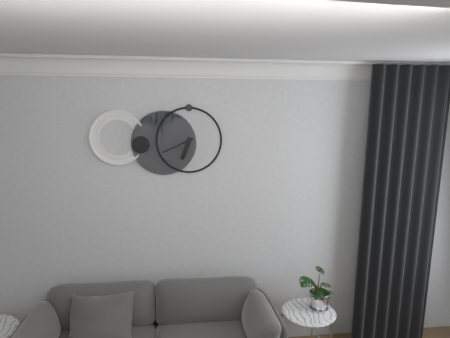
6:41
